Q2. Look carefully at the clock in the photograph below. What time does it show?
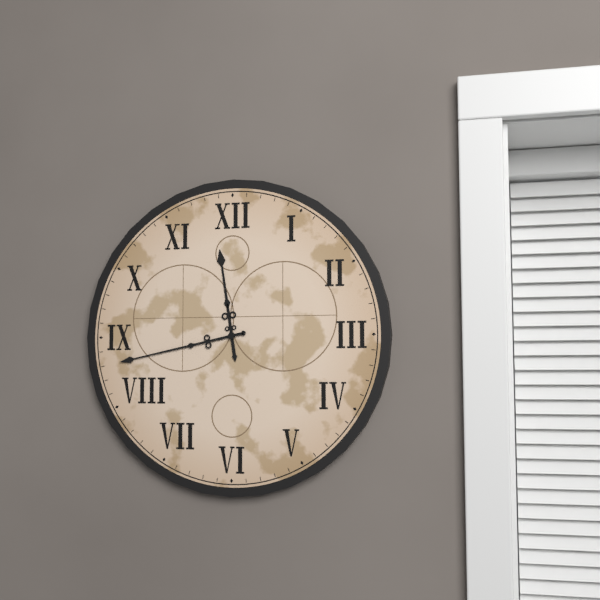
11:43
